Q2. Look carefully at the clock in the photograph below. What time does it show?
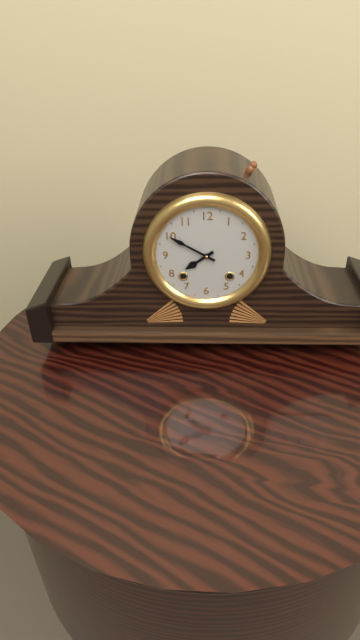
7:50
